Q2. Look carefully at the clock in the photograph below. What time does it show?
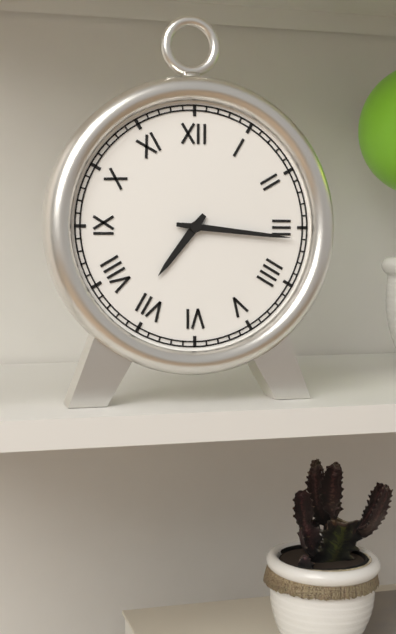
7:16
